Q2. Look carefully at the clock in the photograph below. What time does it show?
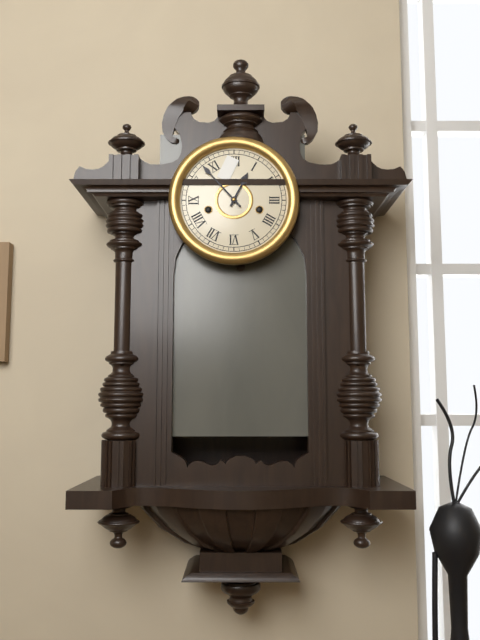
12:53
